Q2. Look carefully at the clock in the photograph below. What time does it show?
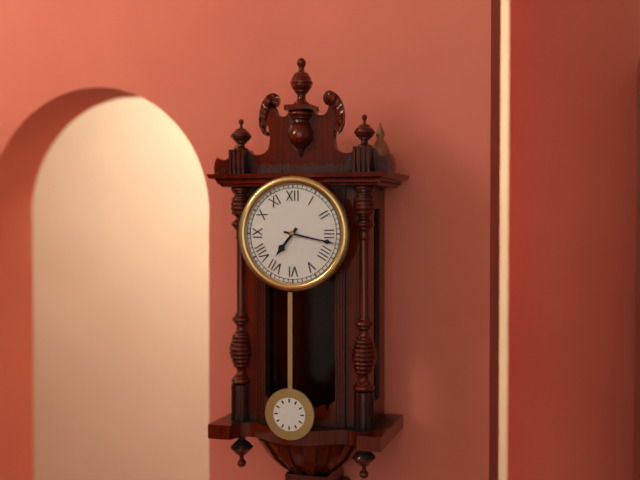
7:17
